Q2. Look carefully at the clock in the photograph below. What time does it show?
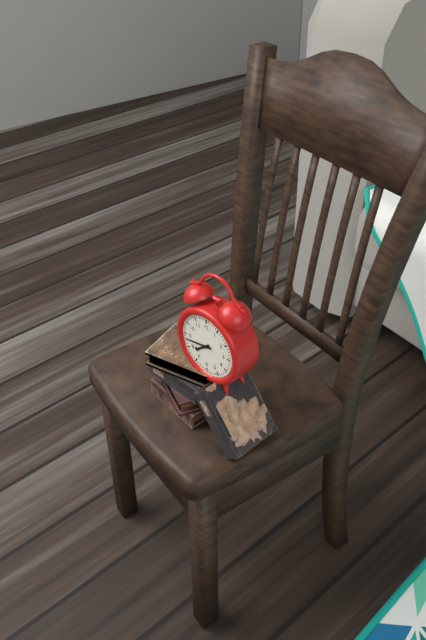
7:43
